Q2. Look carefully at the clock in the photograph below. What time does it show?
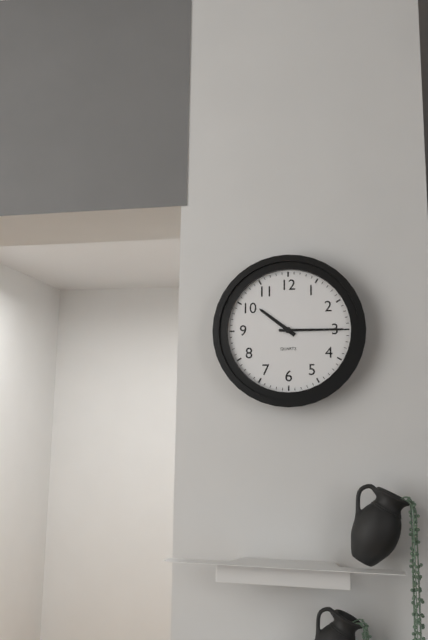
10:15
